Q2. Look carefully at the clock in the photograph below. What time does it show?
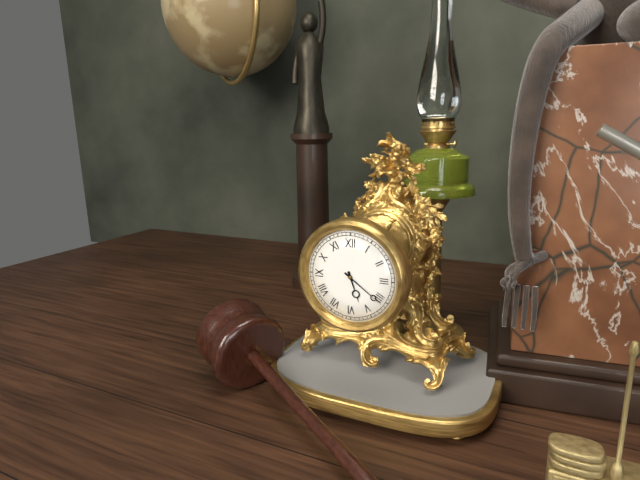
5:21
